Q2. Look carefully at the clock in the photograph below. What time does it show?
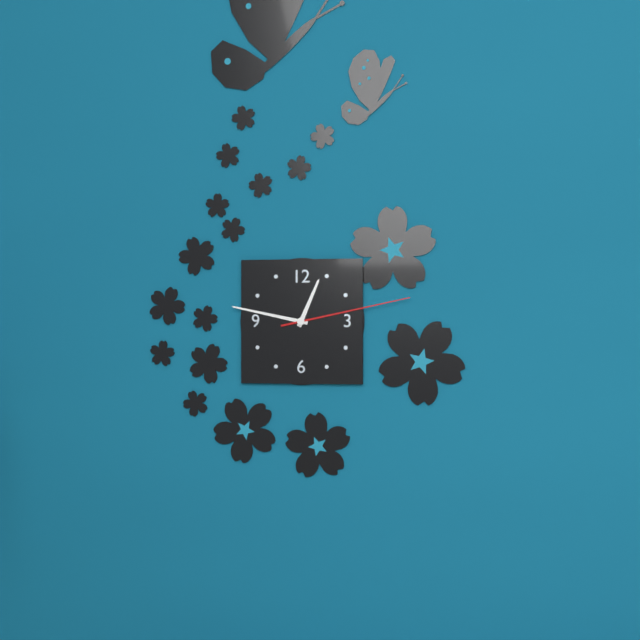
12:47:13
